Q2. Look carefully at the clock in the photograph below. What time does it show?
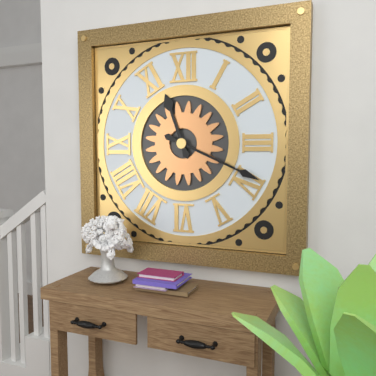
11:19
